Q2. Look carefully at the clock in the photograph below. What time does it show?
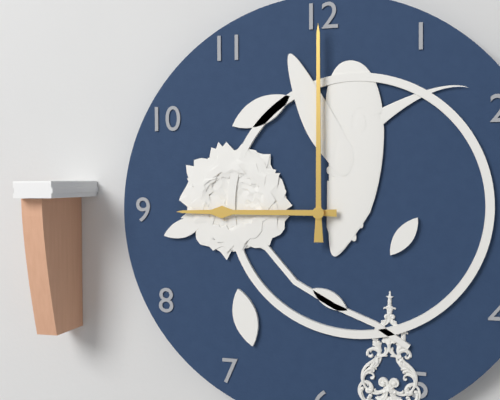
9:00
